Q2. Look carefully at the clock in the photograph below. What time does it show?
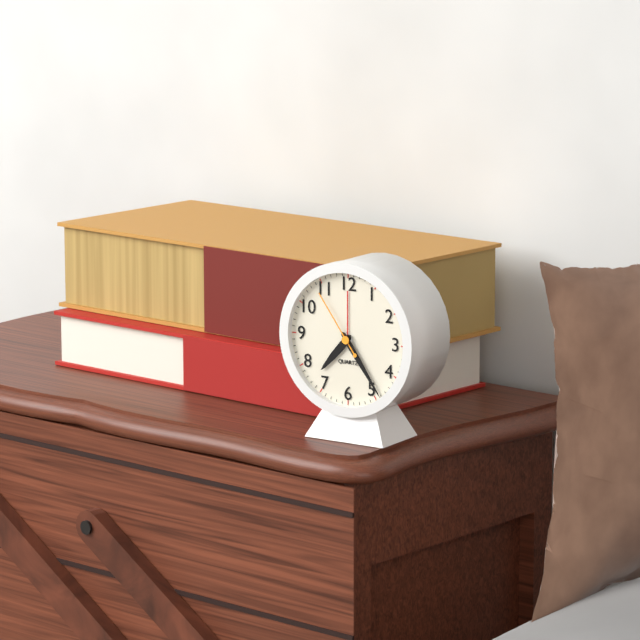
7:24:54
